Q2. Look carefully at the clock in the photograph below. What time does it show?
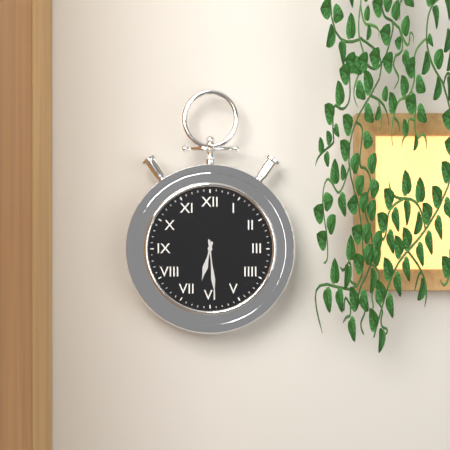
6:29
